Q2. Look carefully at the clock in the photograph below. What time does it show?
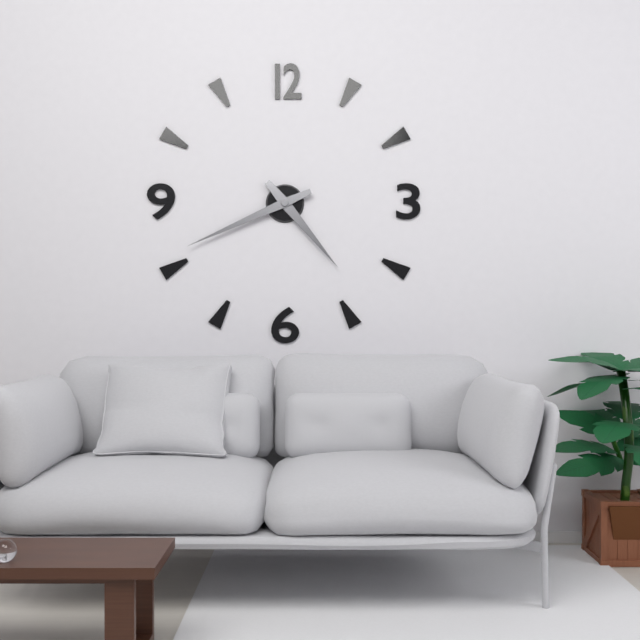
4:41
